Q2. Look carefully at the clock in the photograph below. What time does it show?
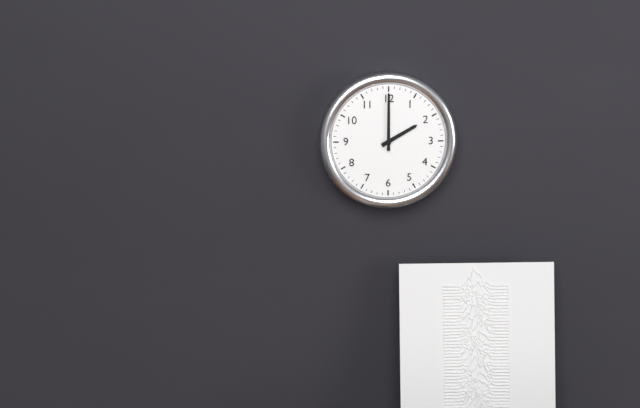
2:00
